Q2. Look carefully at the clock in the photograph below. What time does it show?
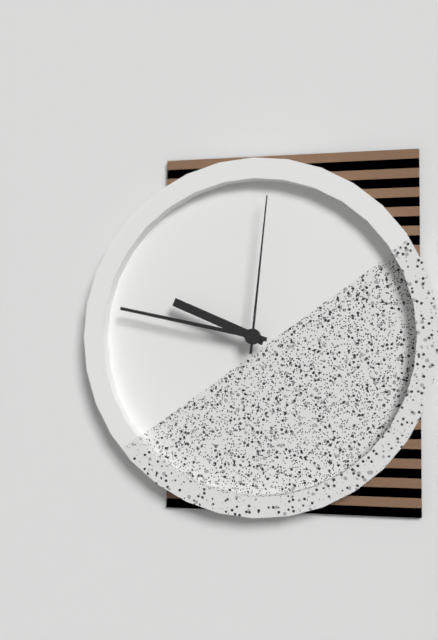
9:47:01
